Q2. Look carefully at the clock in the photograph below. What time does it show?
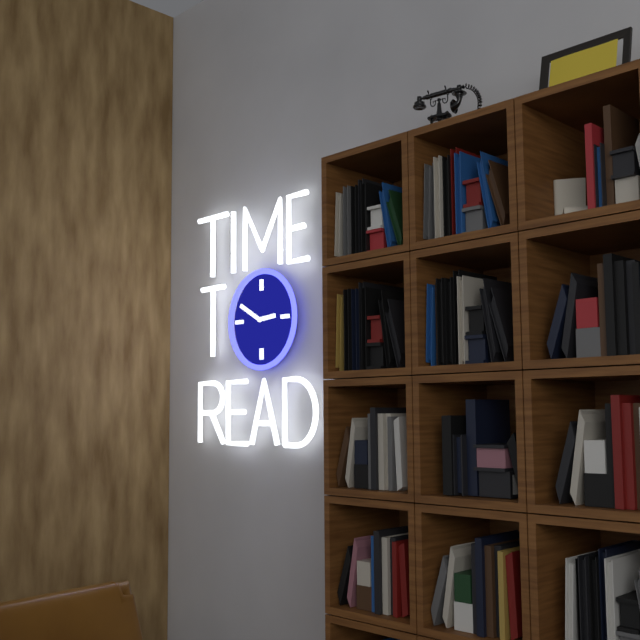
2:50
